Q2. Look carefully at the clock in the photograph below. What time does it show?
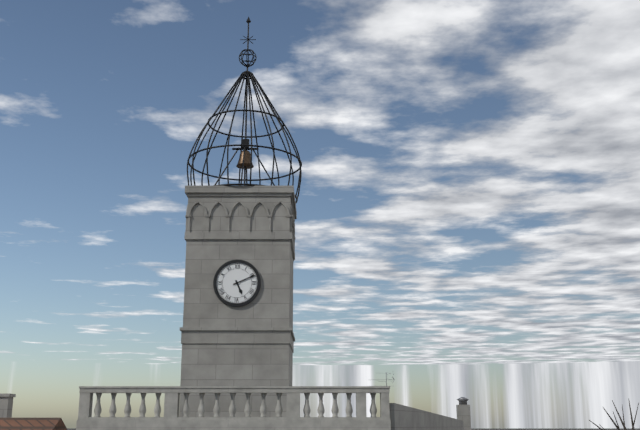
5:11
